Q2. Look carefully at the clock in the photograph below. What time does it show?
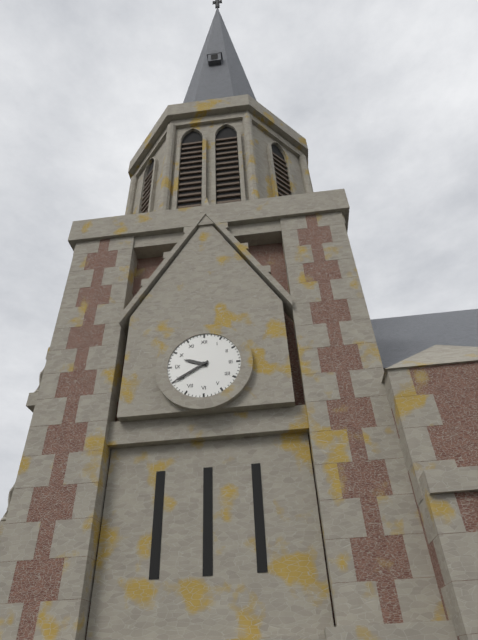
9:40
